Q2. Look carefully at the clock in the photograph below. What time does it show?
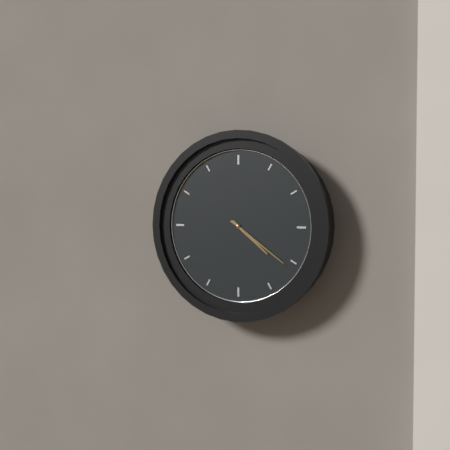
4:21
